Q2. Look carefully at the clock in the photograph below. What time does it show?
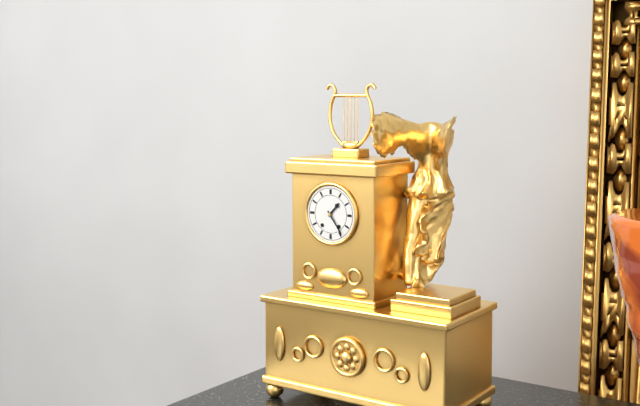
1:24
